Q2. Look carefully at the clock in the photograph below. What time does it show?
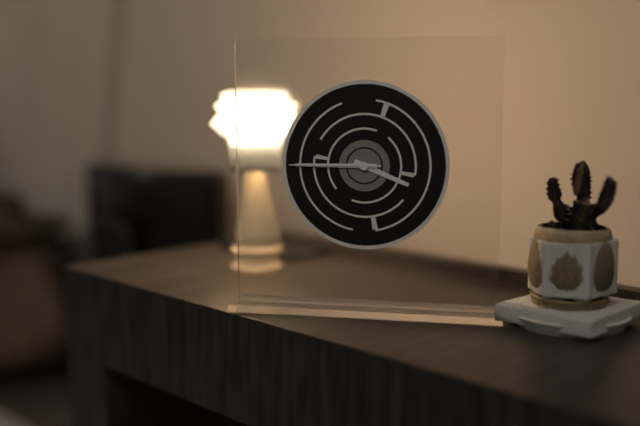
3:45:45
